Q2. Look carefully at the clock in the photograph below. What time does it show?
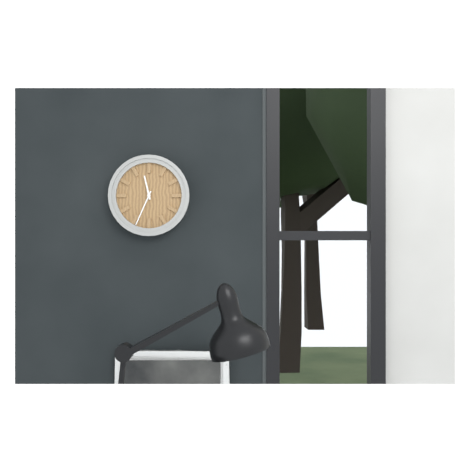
11:34
